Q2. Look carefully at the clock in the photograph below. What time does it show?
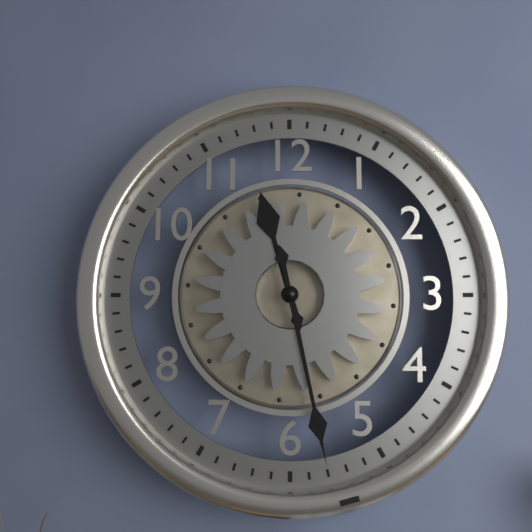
11:28
